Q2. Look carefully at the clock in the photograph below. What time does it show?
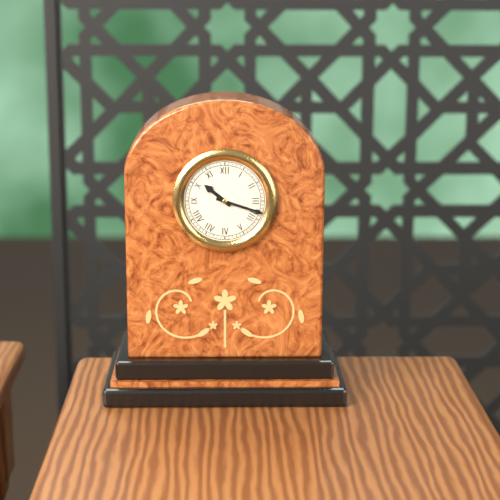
10:18
